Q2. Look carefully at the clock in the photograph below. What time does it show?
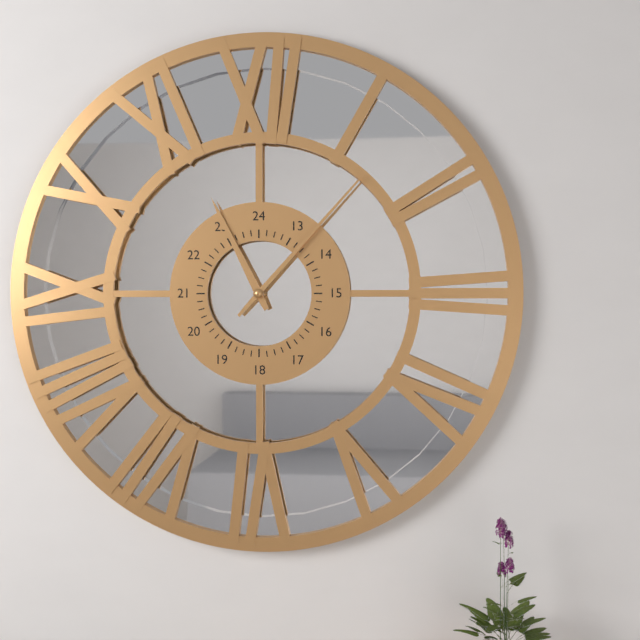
11:07
